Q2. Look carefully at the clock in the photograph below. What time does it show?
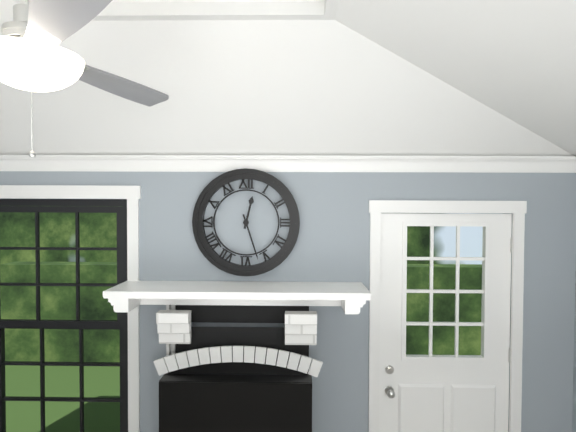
12:27
